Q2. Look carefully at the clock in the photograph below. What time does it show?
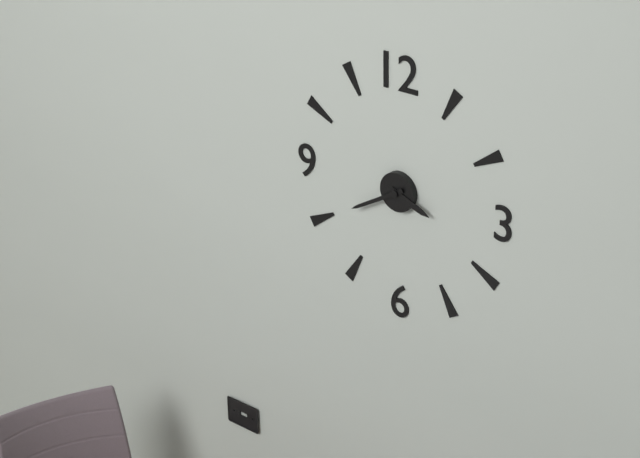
3:40
